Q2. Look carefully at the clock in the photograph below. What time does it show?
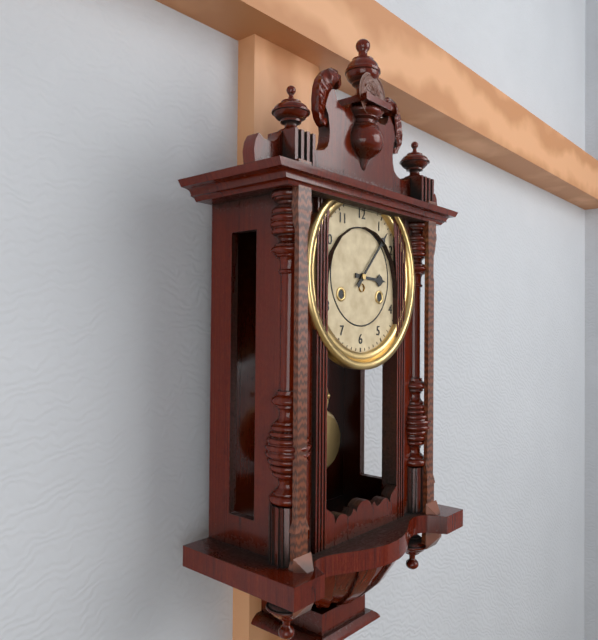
3:07
